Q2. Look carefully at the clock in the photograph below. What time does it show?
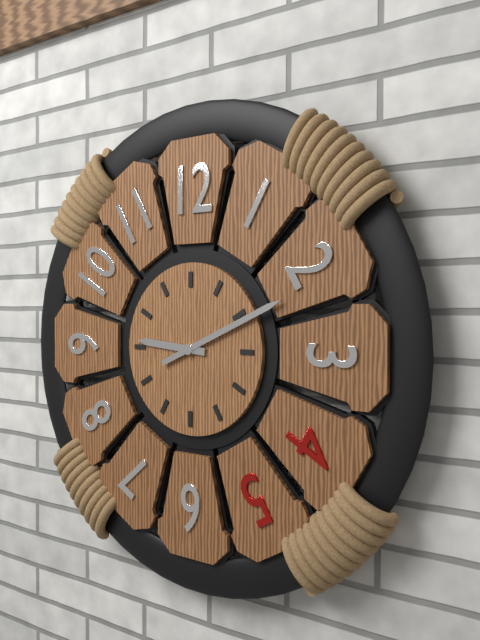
9:11
